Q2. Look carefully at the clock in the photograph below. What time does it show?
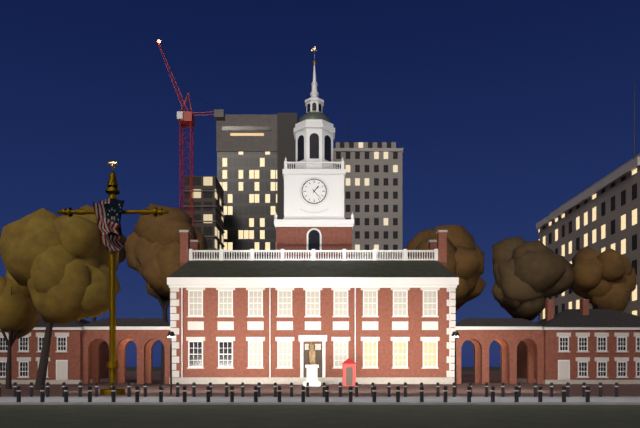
1:23
